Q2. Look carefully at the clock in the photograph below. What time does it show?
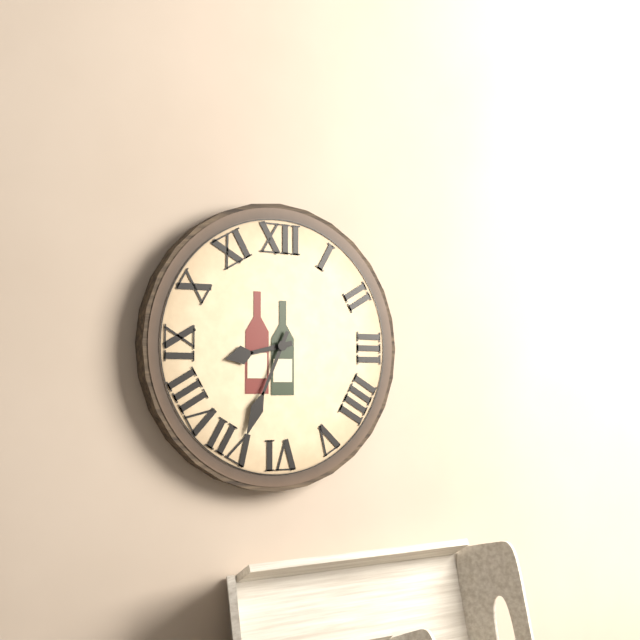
8:34
